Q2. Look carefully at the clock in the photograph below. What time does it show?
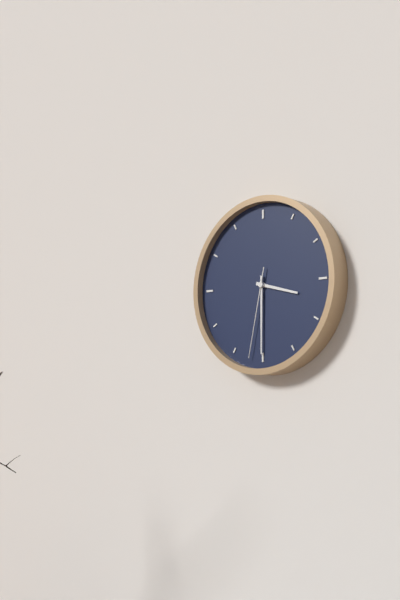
3:30:32
